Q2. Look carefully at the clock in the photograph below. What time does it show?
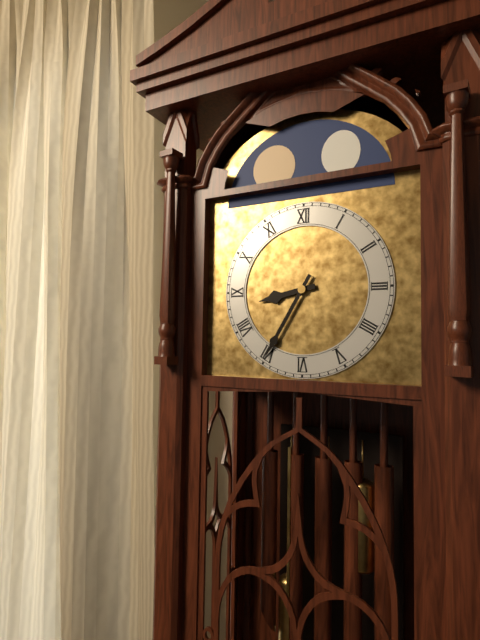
8:35
